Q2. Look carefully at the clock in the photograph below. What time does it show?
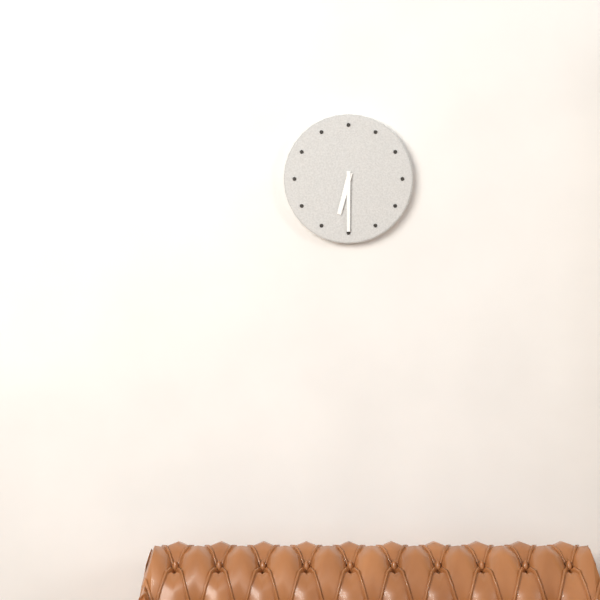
6:30
